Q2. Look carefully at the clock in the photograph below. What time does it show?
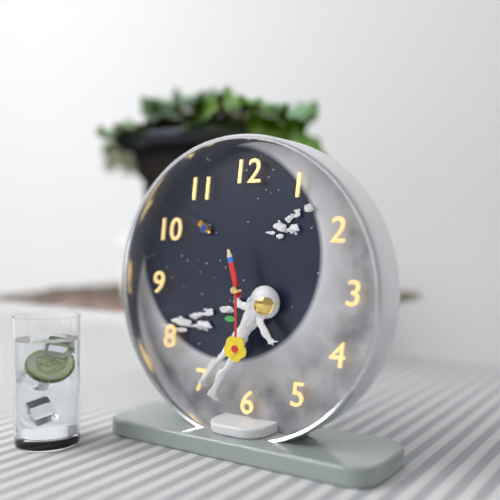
11:30
